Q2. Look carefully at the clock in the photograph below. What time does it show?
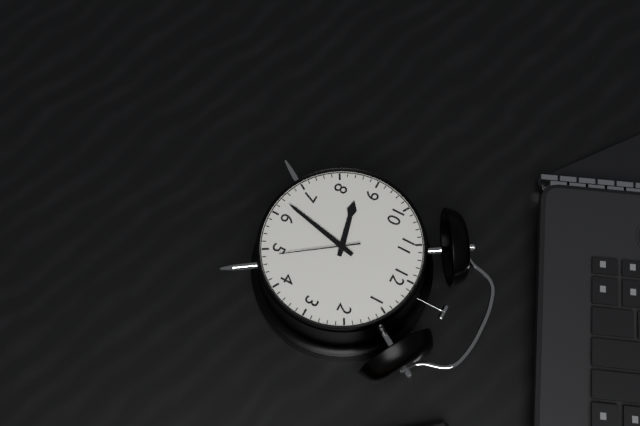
8:32:24
